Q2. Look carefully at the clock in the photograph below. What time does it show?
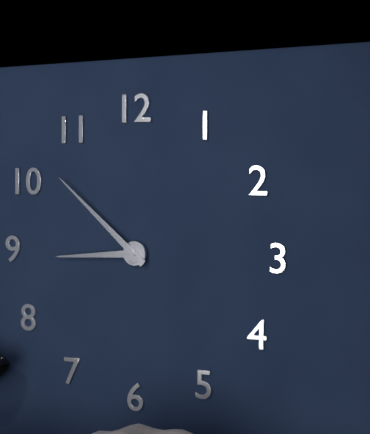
8:52
